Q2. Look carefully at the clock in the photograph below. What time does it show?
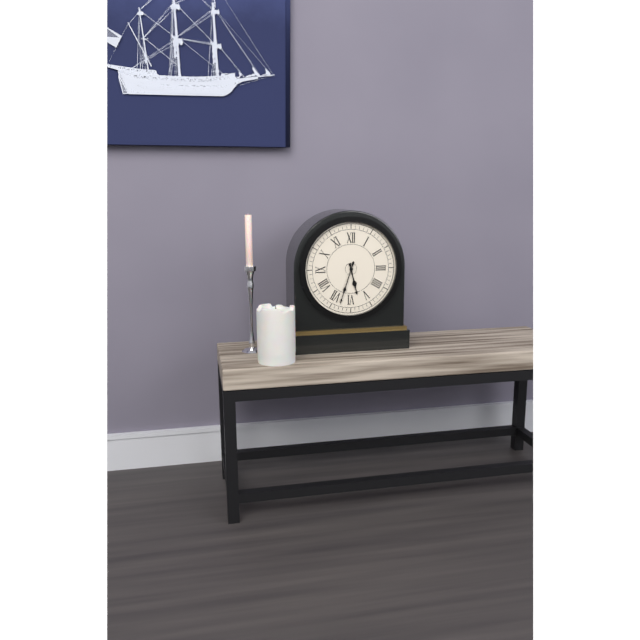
5:33
